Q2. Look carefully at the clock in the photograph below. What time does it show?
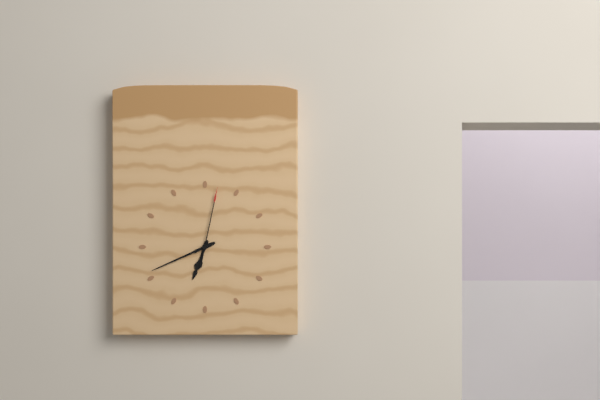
6:41:02
